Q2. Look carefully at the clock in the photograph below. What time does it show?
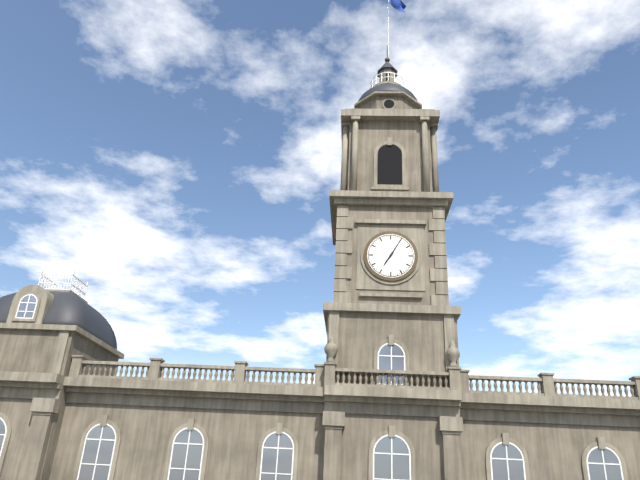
7:05
